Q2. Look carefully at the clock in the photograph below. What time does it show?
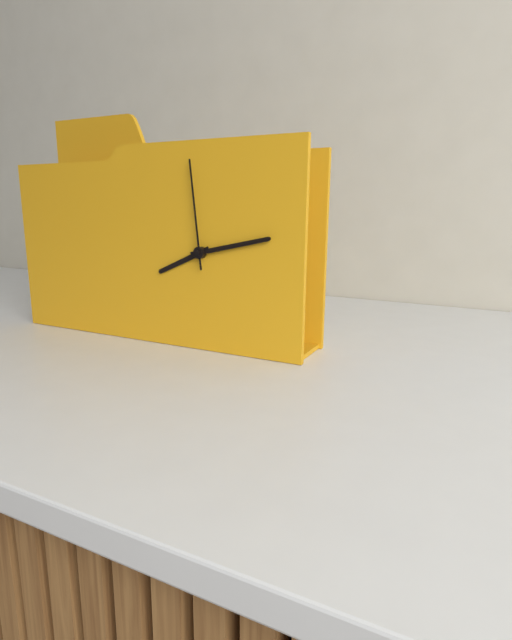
8:13:59
